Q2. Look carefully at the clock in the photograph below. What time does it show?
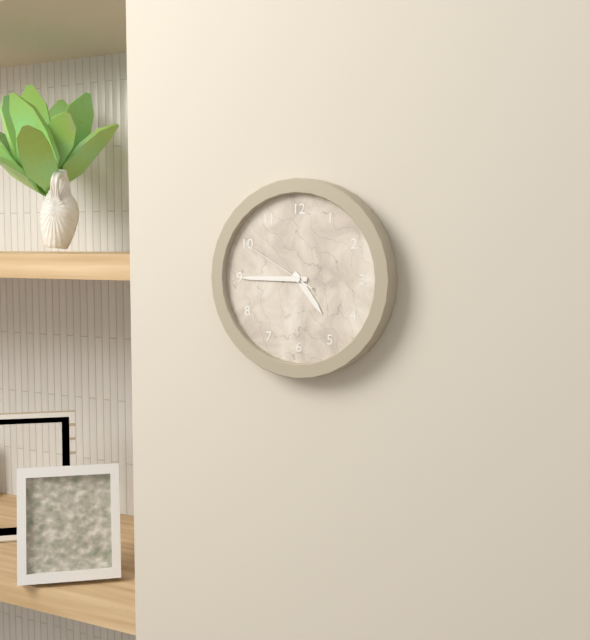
4:45:50
